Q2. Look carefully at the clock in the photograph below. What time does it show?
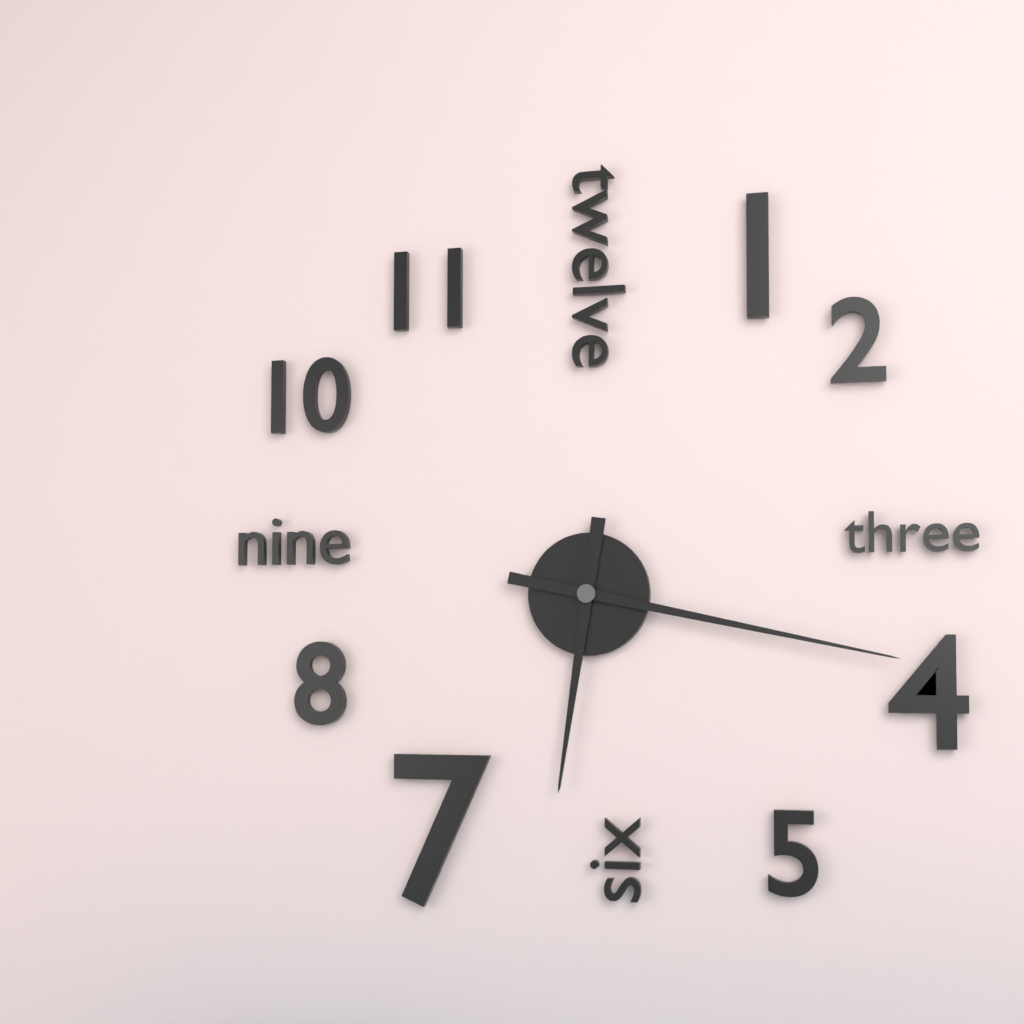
6:17
